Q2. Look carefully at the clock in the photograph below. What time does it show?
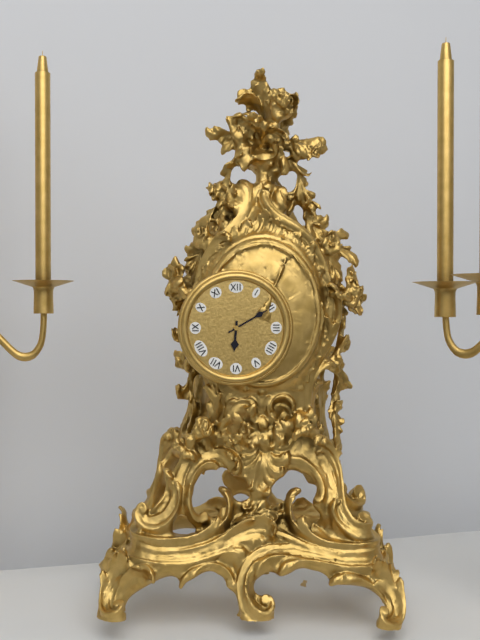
6:10
